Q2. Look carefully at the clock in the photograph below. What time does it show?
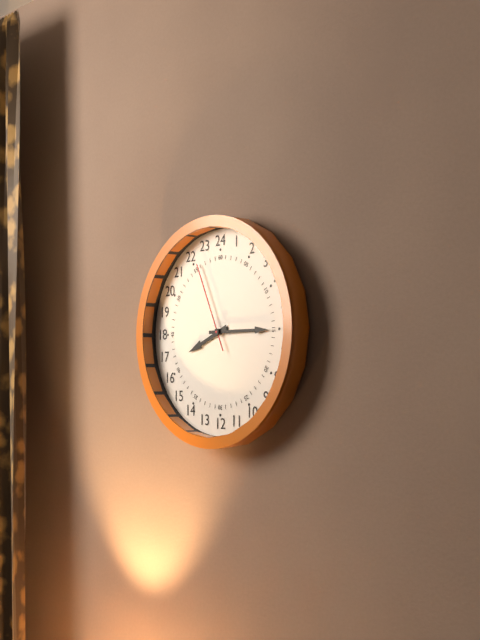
8:15:56
